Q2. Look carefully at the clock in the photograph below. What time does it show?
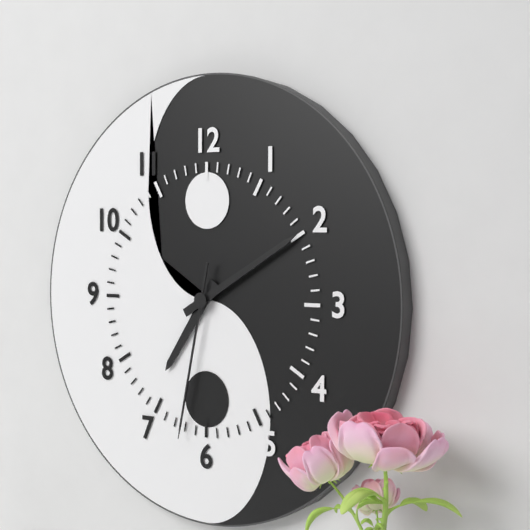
7:10:32
